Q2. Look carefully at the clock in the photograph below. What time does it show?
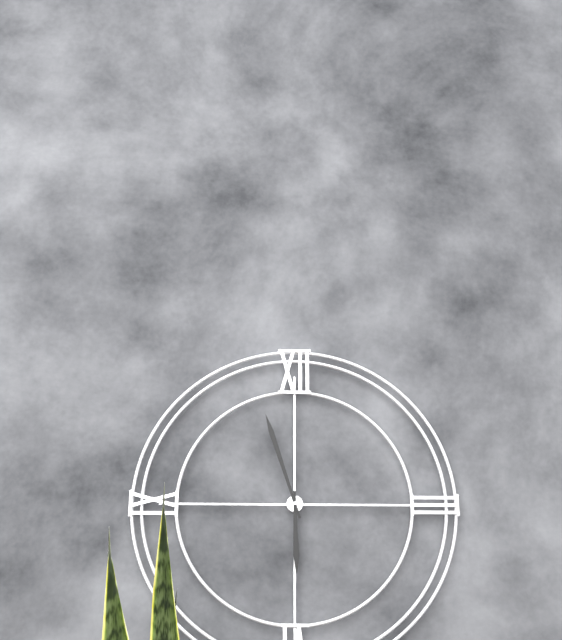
5:57
